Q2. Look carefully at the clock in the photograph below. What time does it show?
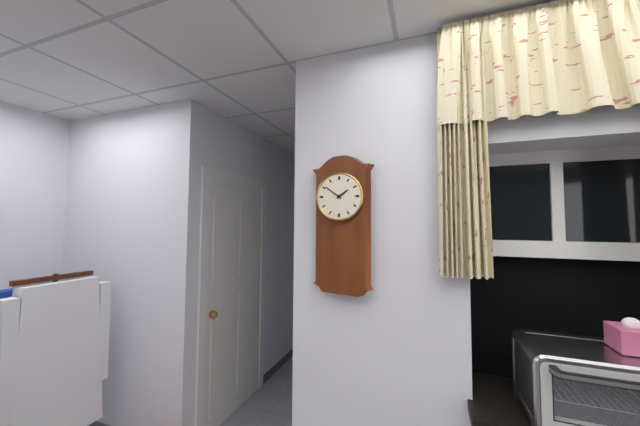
1:51
